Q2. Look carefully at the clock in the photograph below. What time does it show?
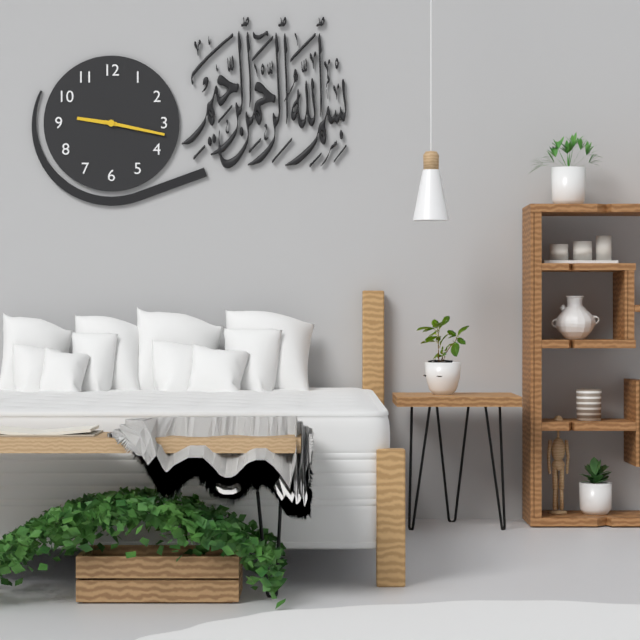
9:17
